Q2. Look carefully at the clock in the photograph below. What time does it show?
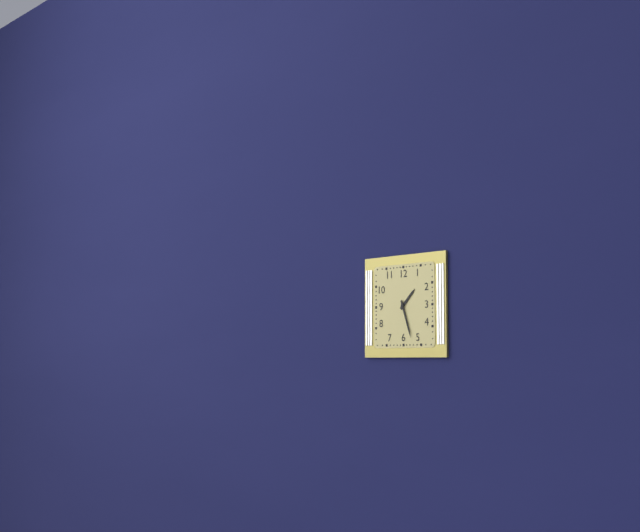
1:27
